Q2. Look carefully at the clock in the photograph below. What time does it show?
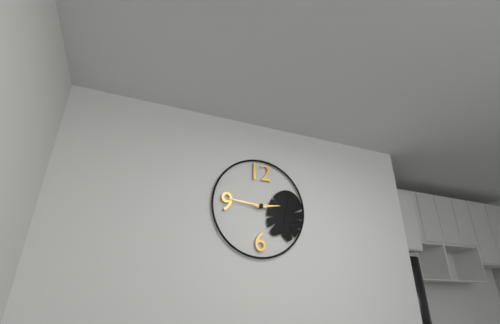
2:46
